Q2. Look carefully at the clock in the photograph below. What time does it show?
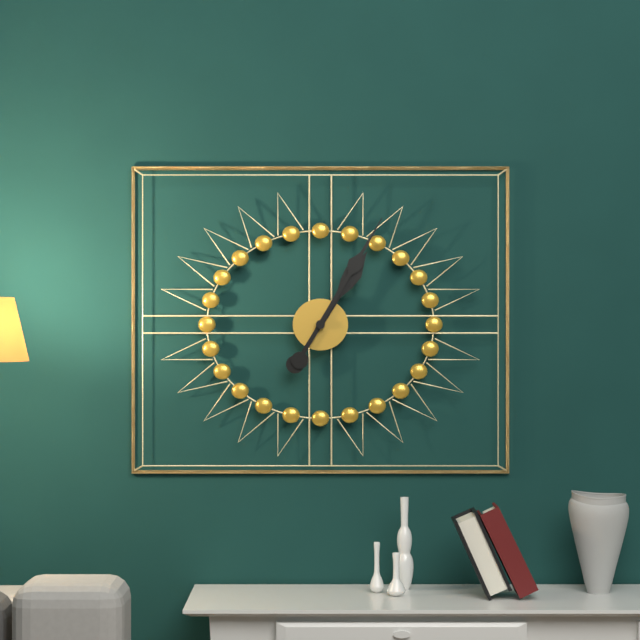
1:05
